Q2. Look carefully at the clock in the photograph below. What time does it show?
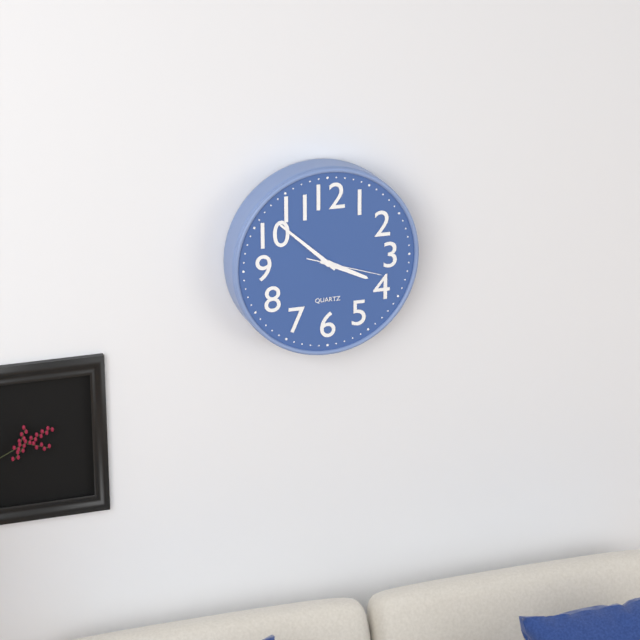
3:52:18
